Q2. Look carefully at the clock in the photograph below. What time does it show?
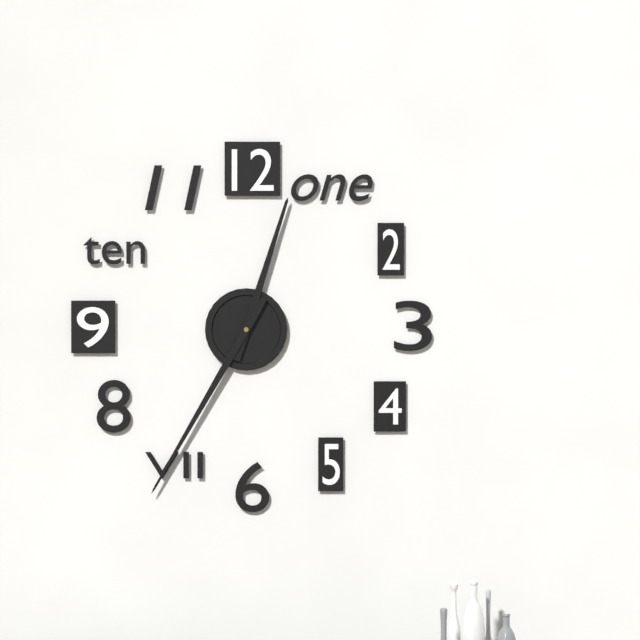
12:35
